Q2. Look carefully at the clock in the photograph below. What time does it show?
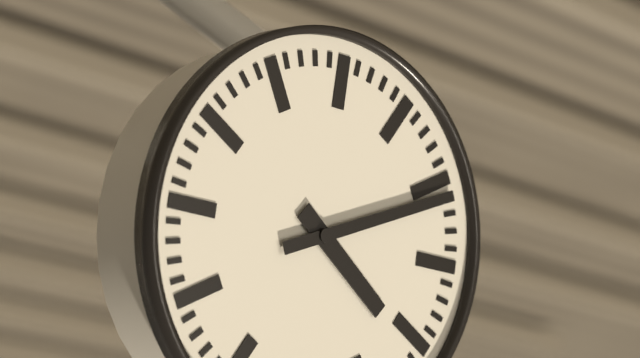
4:11
